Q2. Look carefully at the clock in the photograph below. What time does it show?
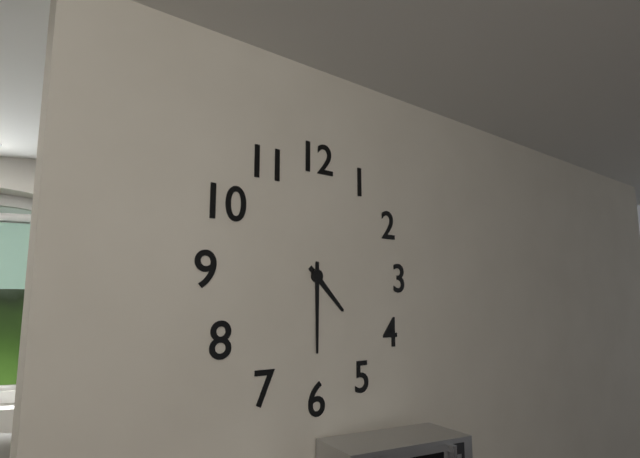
4:30
